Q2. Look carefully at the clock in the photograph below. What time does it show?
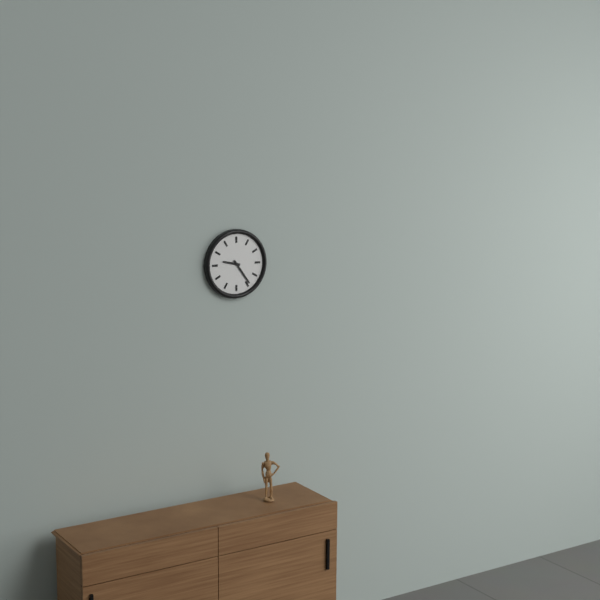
9:24
